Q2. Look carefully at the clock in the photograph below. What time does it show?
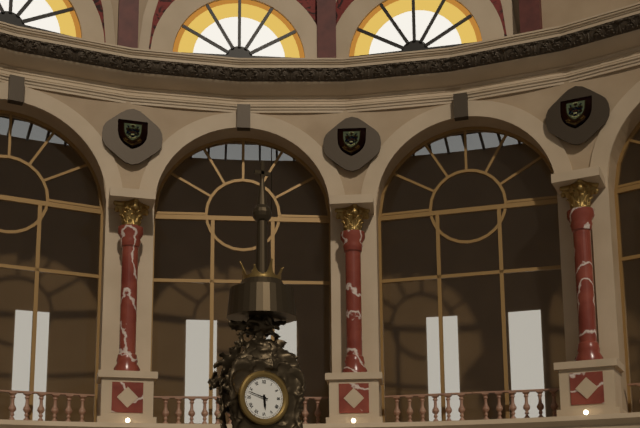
5:48
